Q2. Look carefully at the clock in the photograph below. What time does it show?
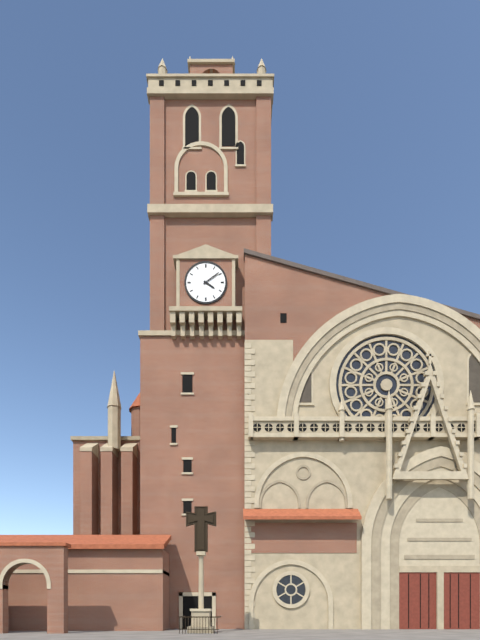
4:09
